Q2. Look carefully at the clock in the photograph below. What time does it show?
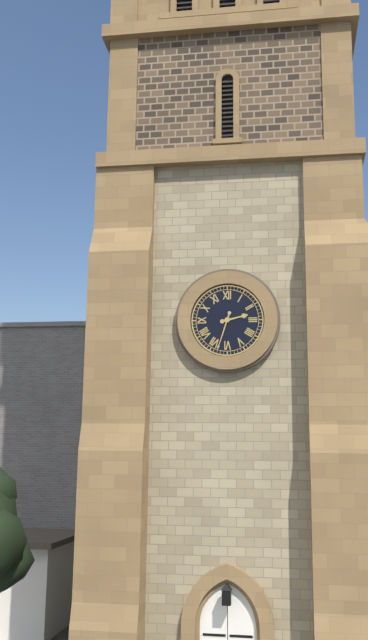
2:33
